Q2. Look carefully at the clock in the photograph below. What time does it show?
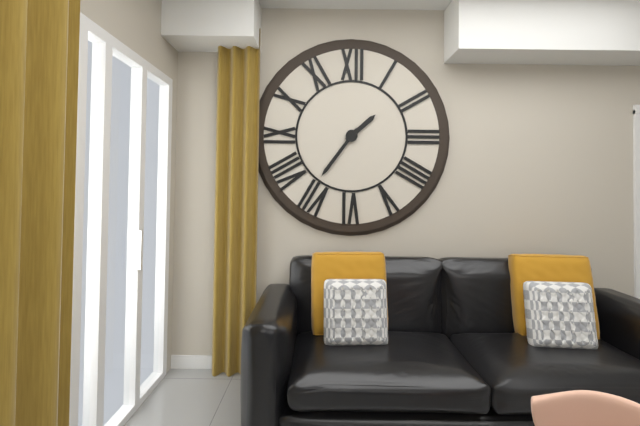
1:36
